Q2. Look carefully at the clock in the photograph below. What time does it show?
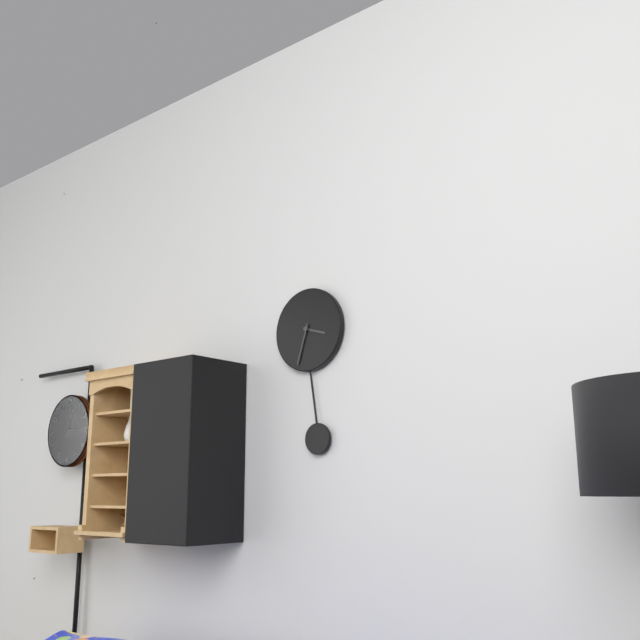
3:33
